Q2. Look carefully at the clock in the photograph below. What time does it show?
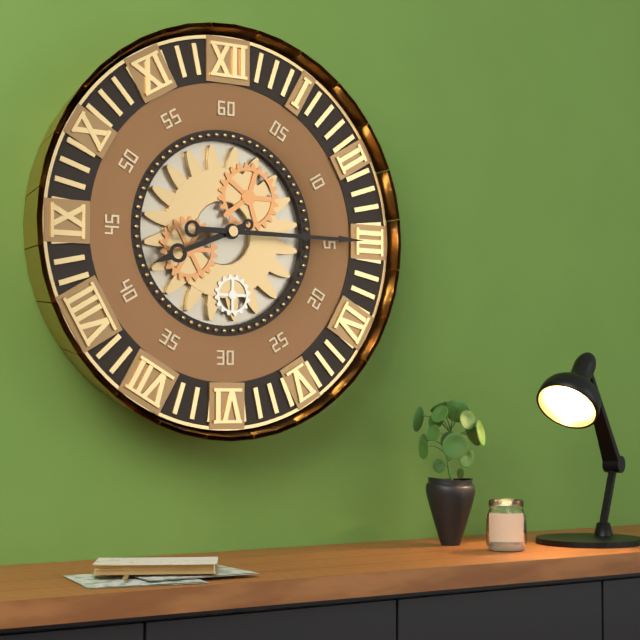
8:15
